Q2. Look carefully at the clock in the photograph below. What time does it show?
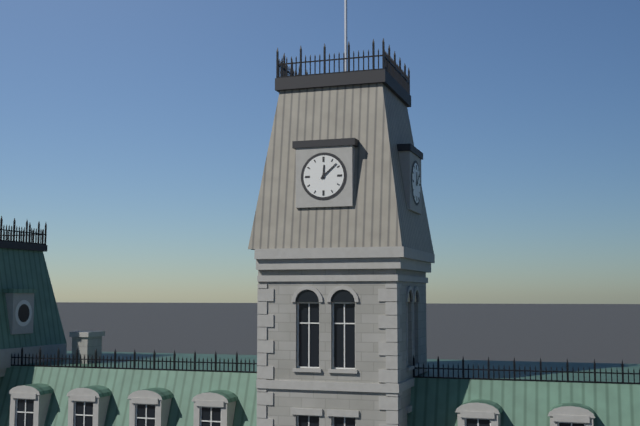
12:08
